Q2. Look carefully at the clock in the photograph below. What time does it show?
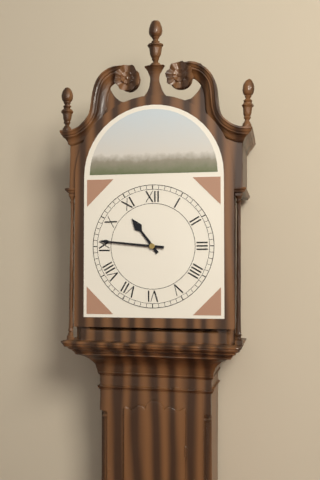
10:46
